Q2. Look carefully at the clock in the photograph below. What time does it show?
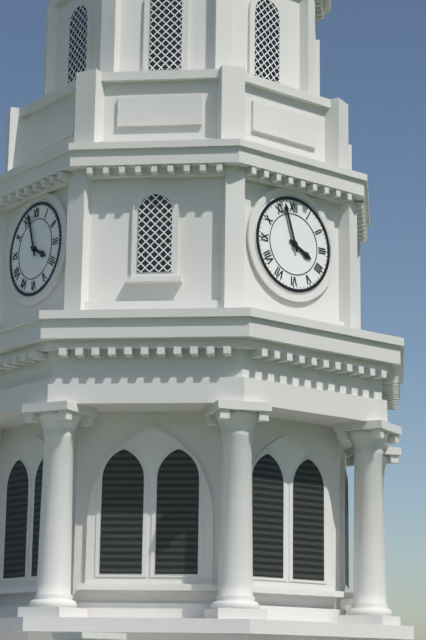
3:57
